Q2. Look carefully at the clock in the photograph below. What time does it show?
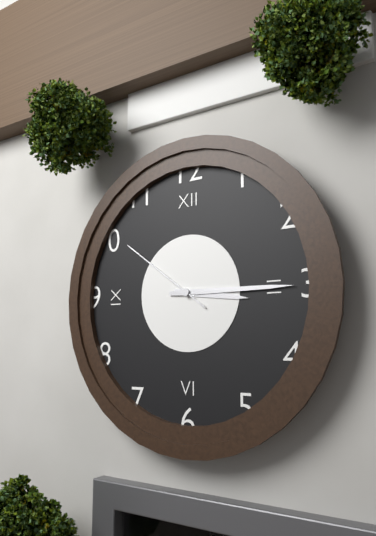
3:15:51
